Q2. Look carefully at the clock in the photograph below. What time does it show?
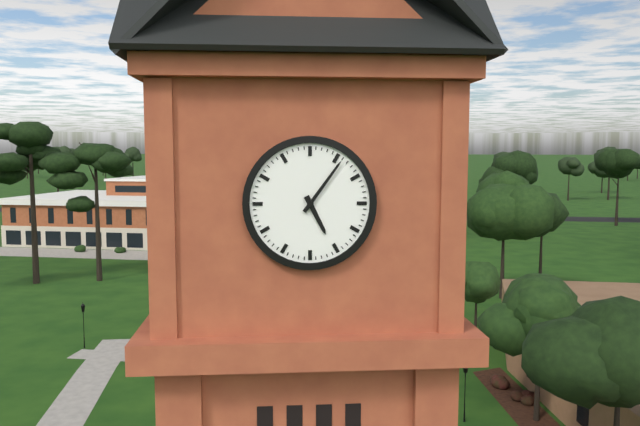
5:06
